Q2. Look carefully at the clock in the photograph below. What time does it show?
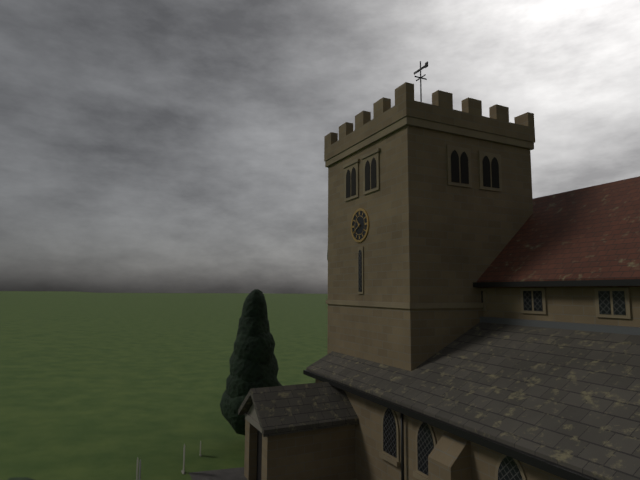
10:40
